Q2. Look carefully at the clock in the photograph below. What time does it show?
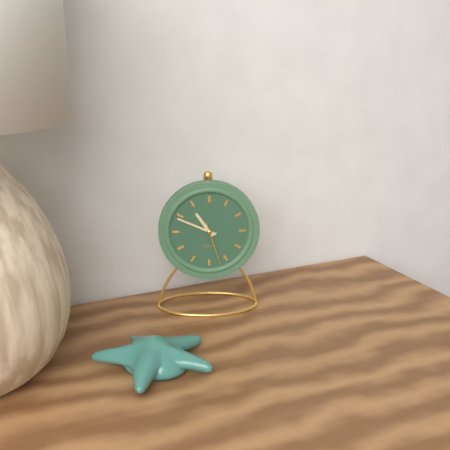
10:49
